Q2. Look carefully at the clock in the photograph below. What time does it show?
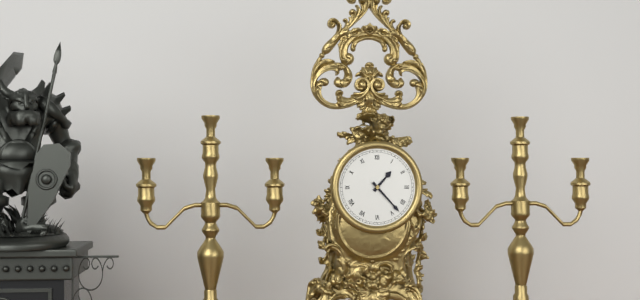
1:23
